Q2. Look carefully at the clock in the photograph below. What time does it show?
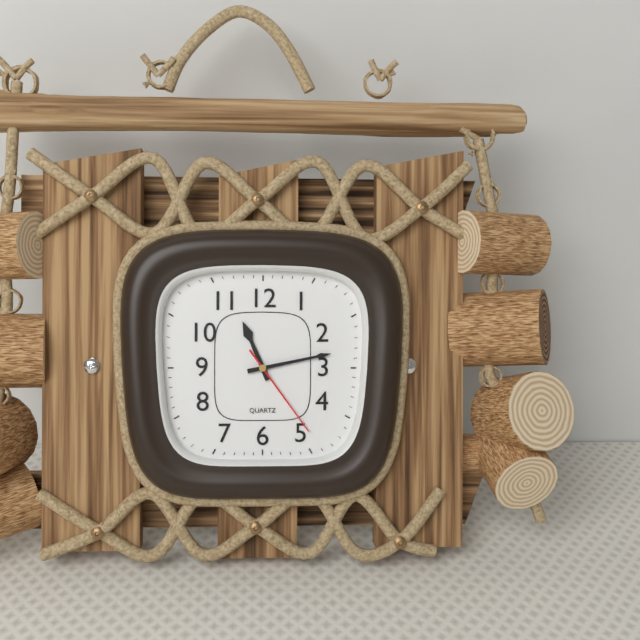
11:13:24
